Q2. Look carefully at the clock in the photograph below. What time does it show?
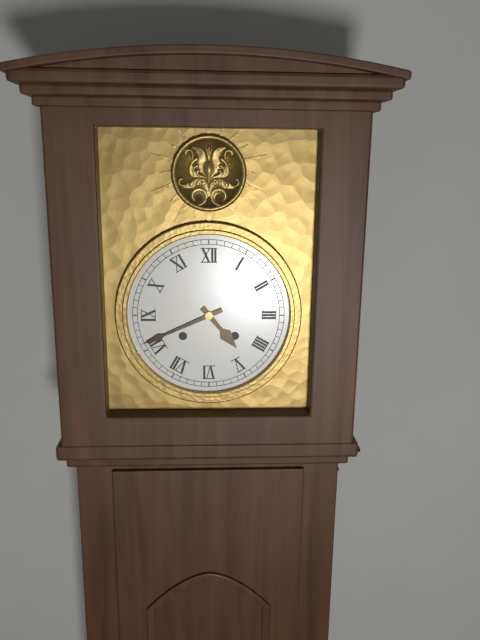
4:41
